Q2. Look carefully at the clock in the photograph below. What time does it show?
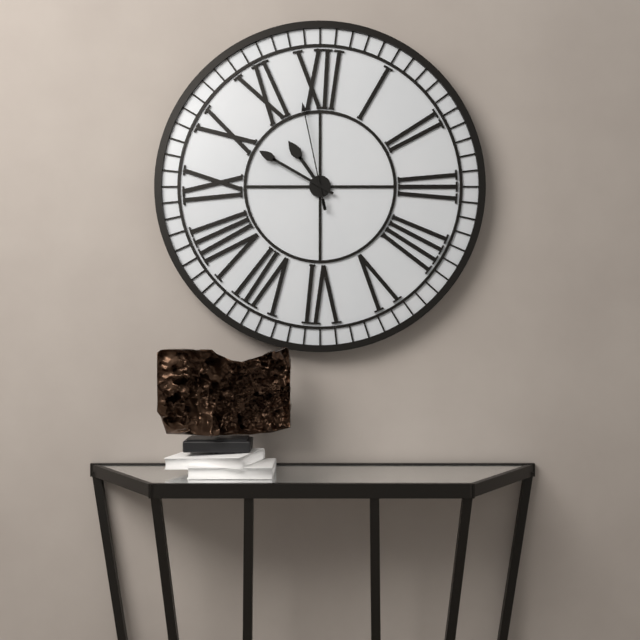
10:50:58
